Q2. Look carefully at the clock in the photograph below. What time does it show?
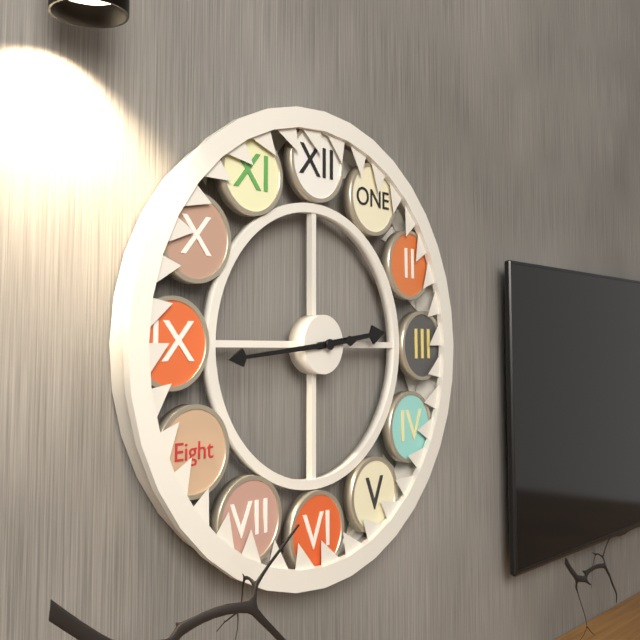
2:44
